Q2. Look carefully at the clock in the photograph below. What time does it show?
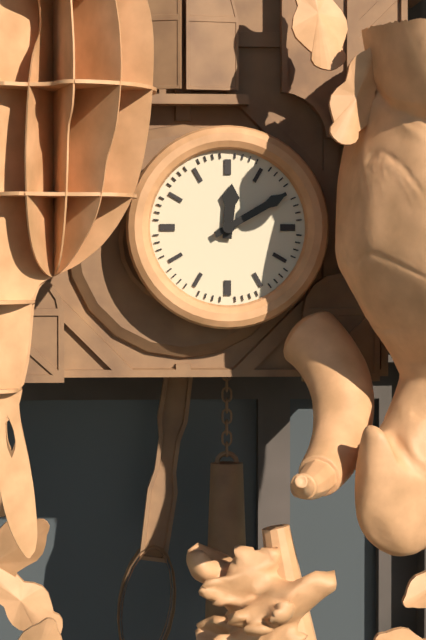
12:10
